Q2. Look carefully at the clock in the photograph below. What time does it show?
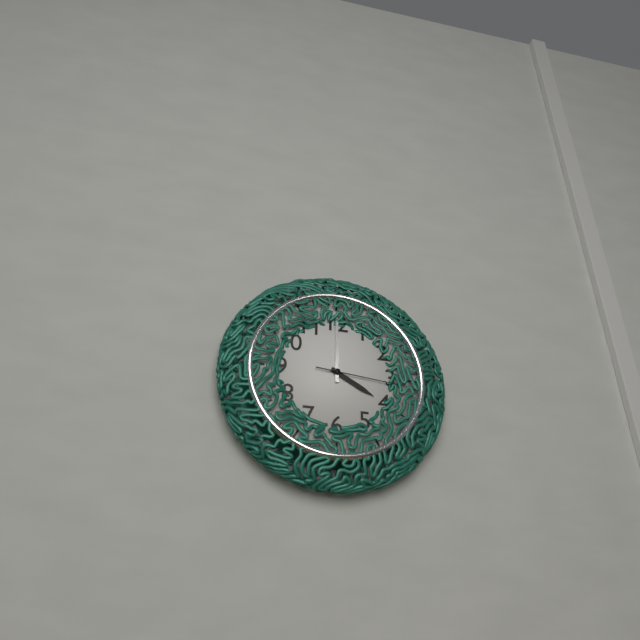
4:00:16
